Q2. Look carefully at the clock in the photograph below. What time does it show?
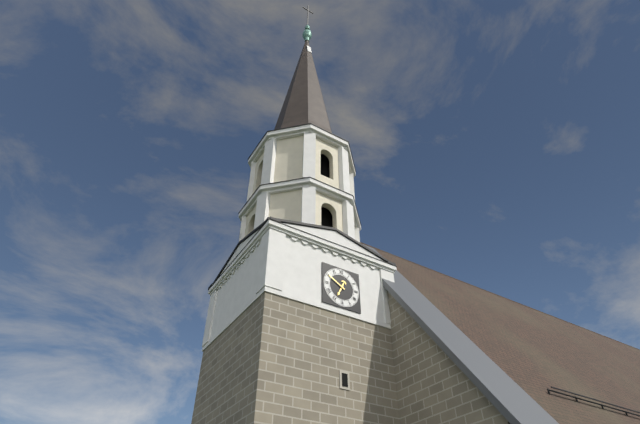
6:50
